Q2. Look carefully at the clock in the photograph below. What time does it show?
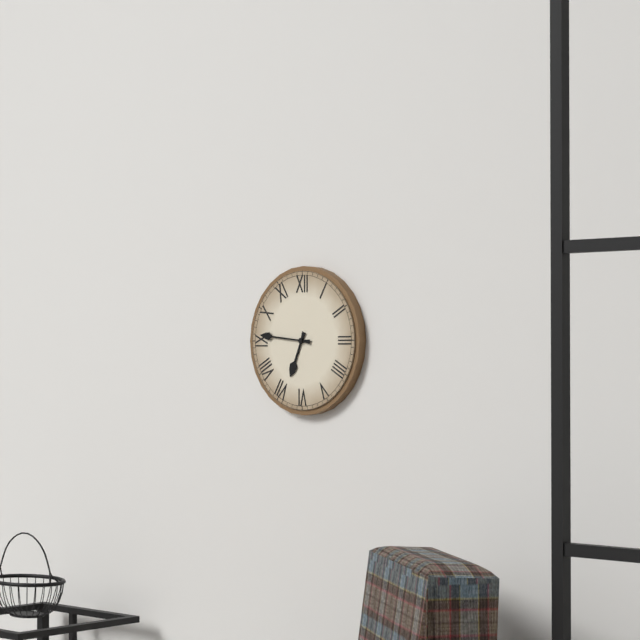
6:46
